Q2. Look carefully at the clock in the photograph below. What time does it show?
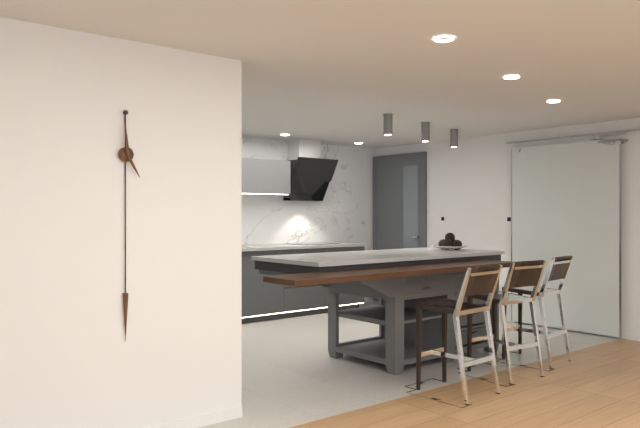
4:59
